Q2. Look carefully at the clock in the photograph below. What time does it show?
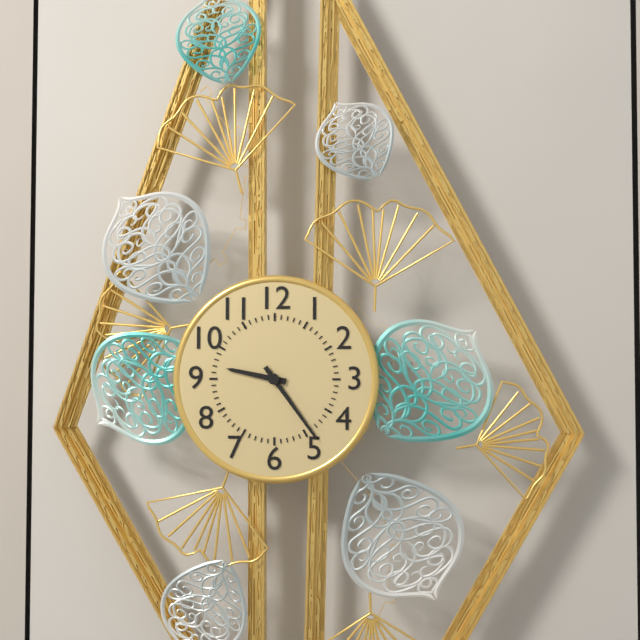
9:24
